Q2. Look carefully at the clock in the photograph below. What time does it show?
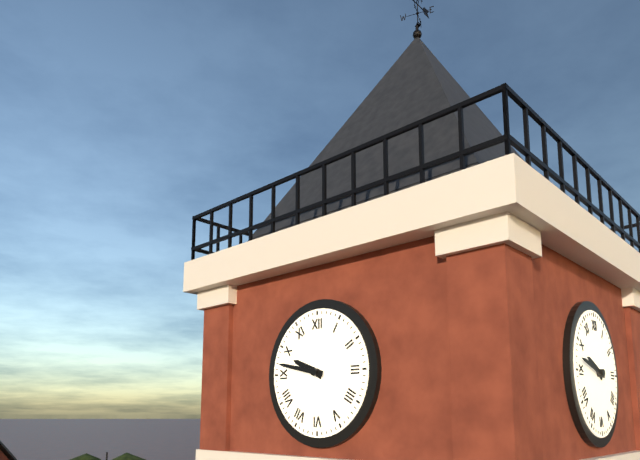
9:47
